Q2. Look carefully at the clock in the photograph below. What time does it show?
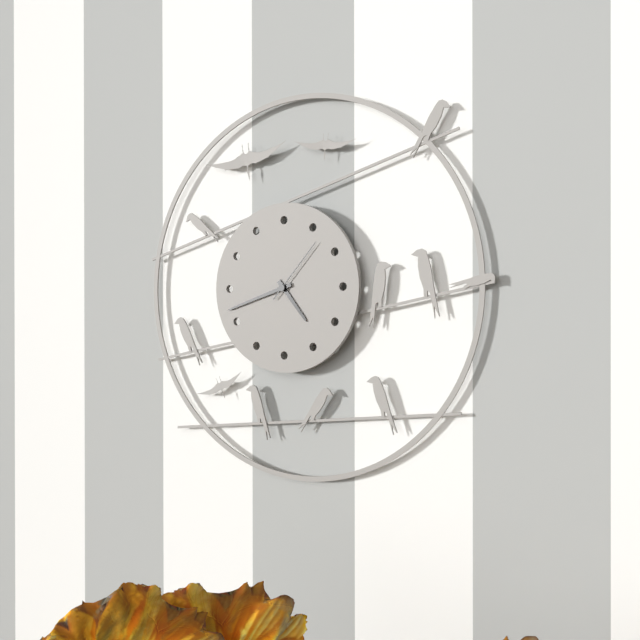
4:42:07
